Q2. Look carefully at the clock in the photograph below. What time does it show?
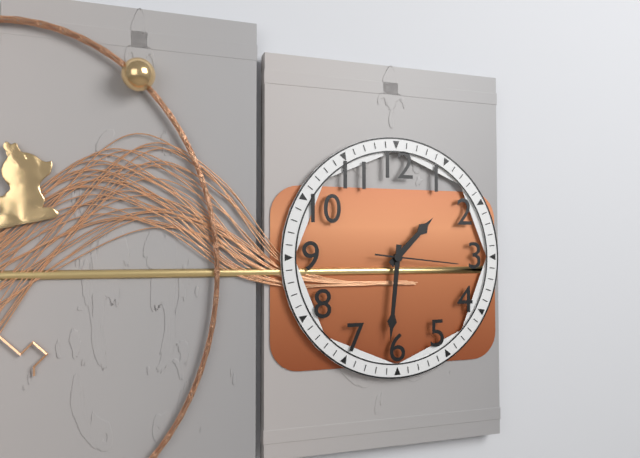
1:31:16
